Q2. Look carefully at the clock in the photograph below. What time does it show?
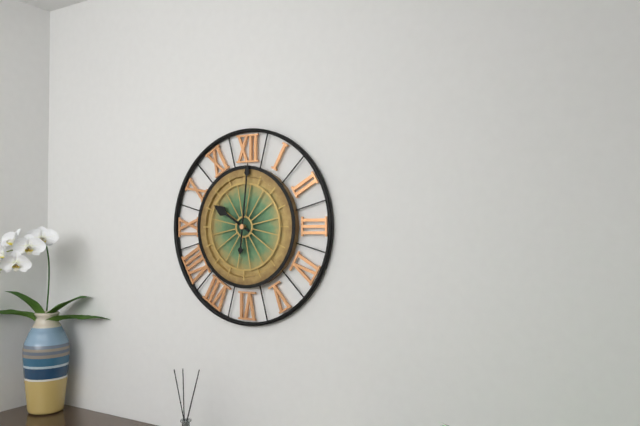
10:01
